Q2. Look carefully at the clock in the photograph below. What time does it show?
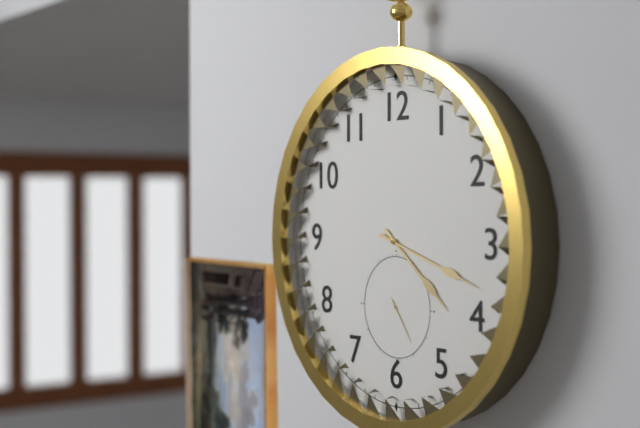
4:18
